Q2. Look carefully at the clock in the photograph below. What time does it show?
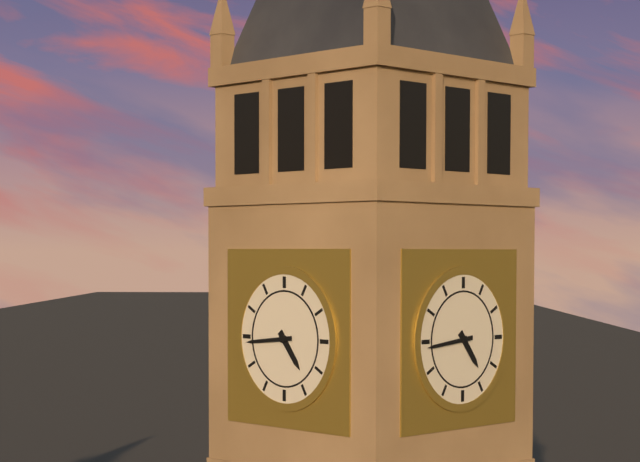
4:44
